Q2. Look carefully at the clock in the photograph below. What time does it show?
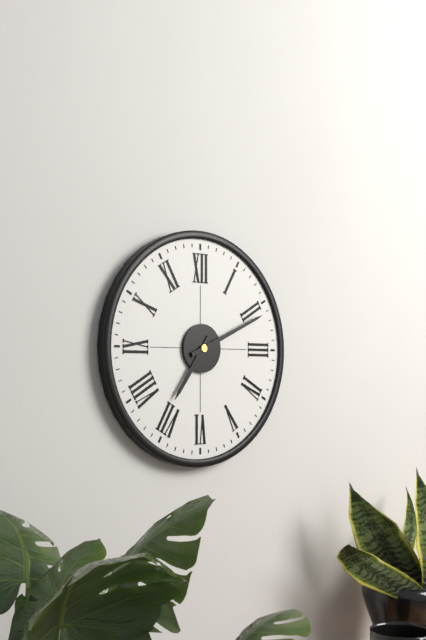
7:11
